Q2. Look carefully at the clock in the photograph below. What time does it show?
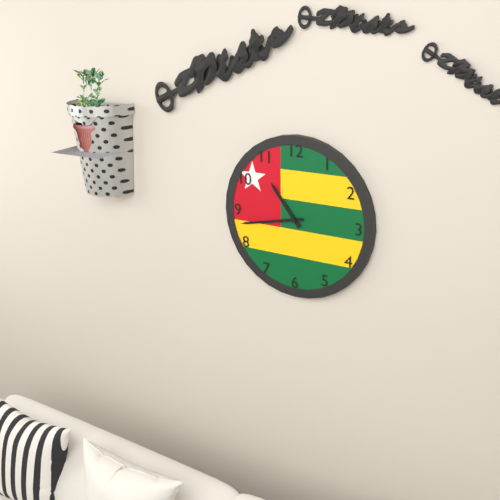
10:43
